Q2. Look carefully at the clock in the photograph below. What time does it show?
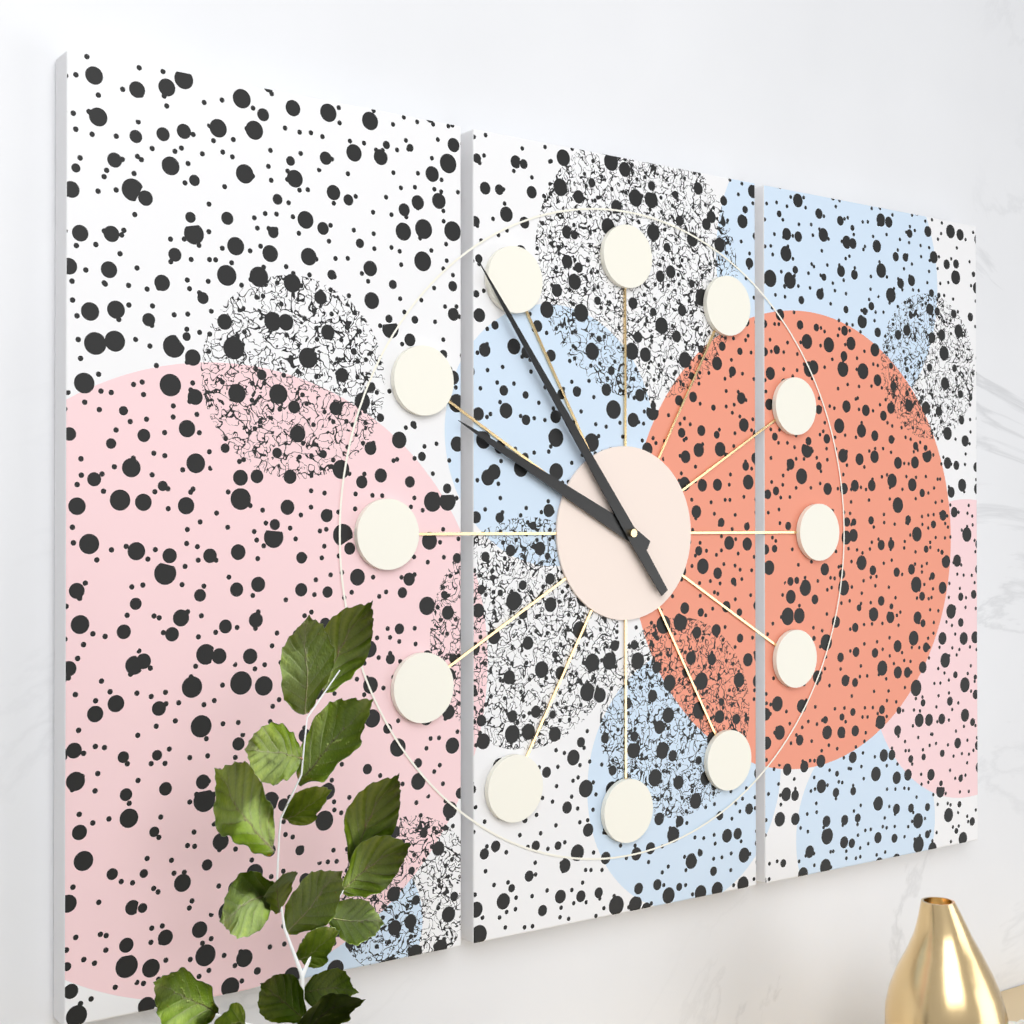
9:54
